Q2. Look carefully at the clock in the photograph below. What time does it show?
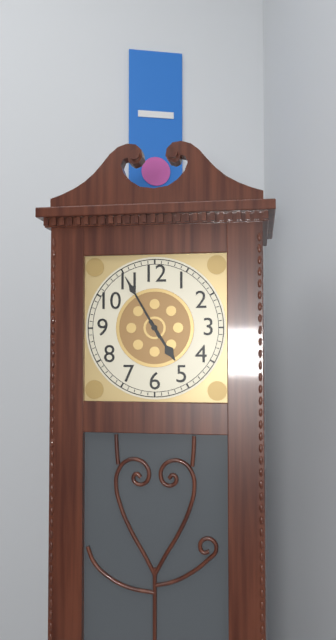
4:55
